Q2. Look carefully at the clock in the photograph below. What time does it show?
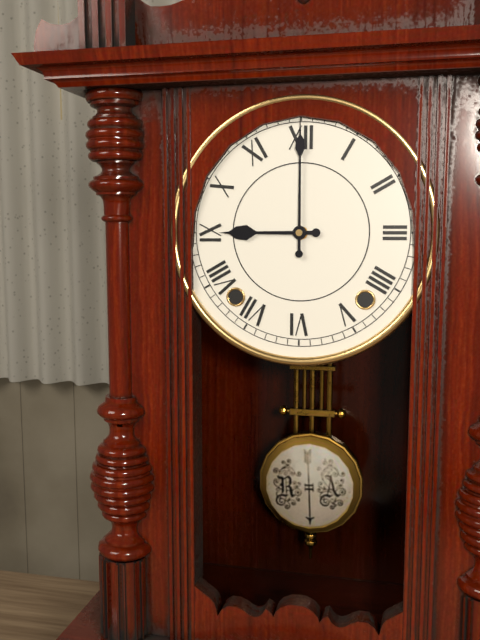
9:00
